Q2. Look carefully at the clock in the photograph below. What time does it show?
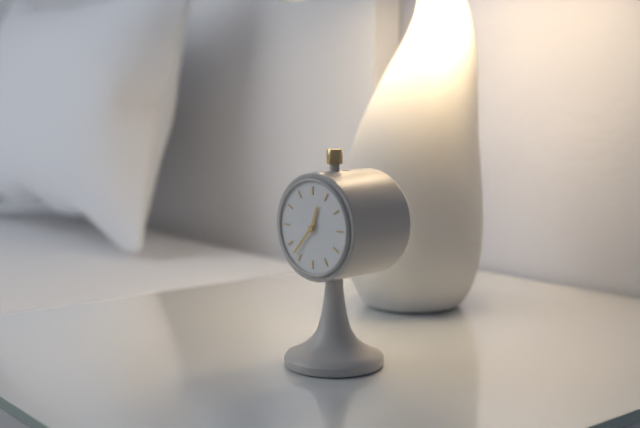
12:37
